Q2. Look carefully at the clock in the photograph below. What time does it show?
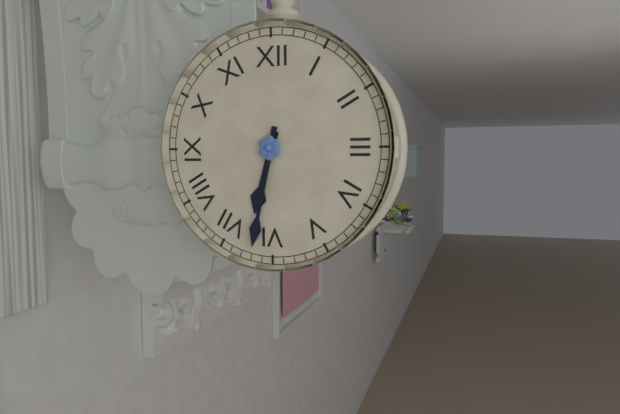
6:32
